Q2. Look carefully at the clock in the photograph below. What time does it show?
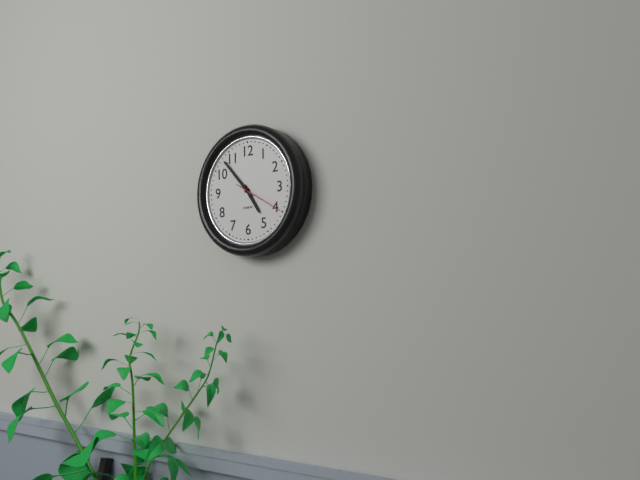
4:53
